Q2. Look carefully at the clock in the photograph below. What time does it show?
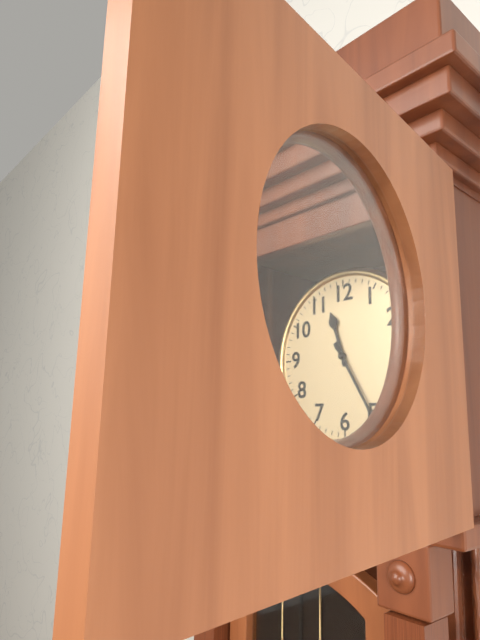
11:25
